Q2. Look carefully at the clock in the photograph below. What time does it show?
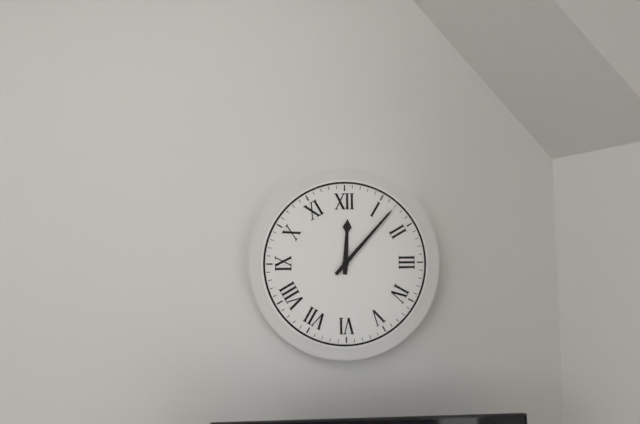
12:07
